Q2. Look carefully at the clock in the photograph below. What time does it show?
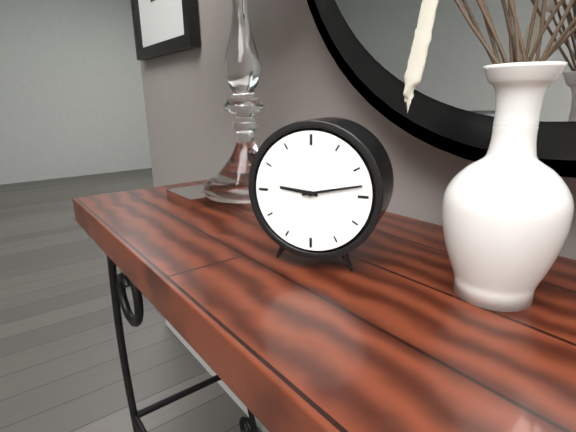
9:13
